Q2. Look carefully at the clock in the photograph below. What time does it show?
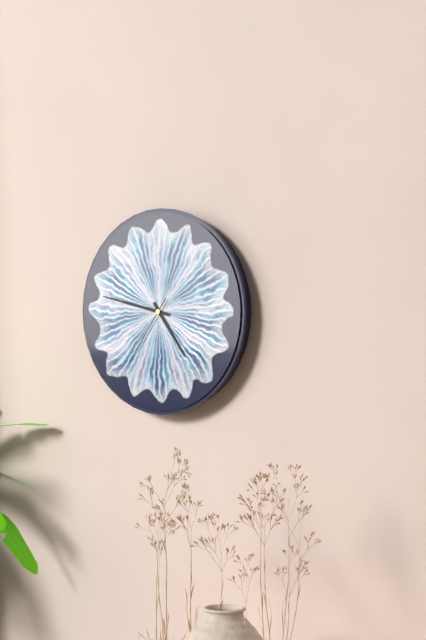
4:47:36
